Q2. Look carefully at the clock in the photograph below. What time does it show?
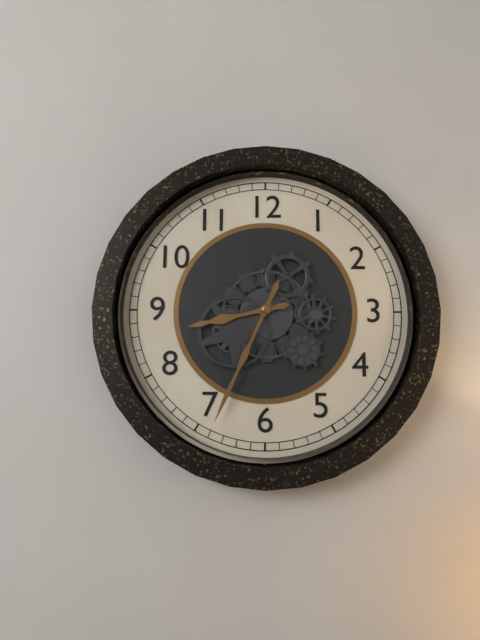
8:34
